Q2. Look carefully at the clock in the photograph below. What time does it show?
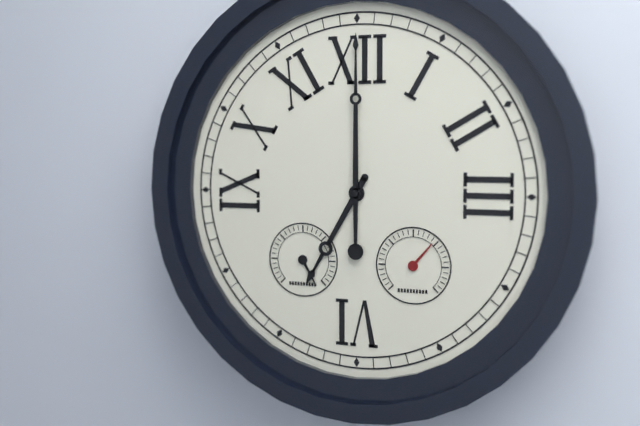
7:00
